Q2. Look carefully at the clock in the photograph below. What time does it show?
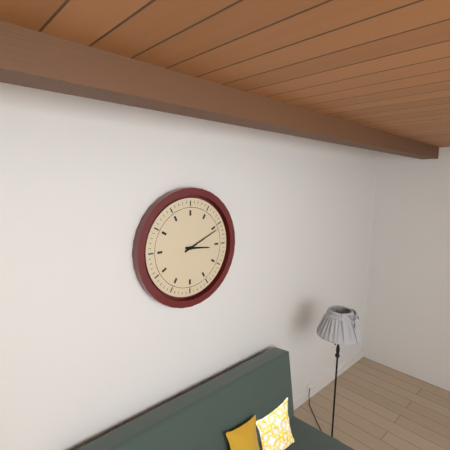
3:11
